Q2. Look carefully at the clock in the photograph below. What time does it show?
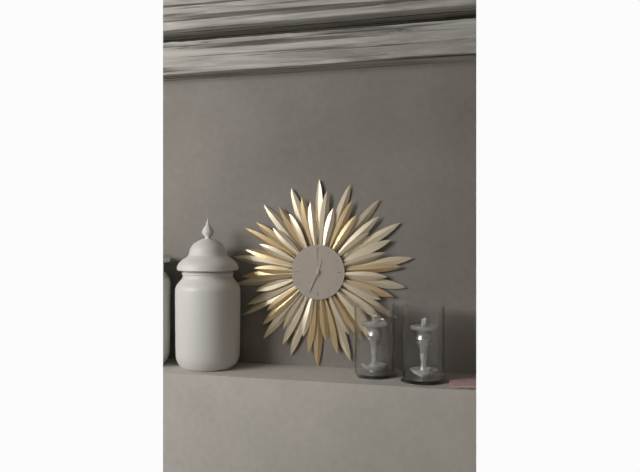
12:34
